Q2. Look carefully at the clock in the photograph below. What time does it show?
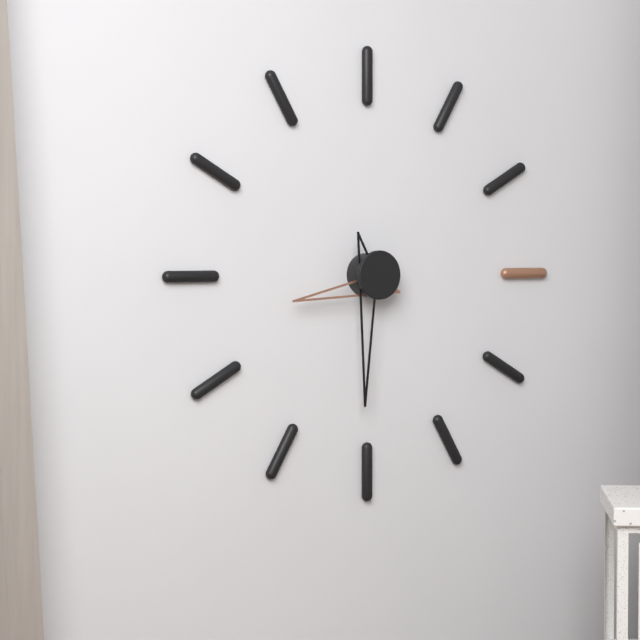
8:31
